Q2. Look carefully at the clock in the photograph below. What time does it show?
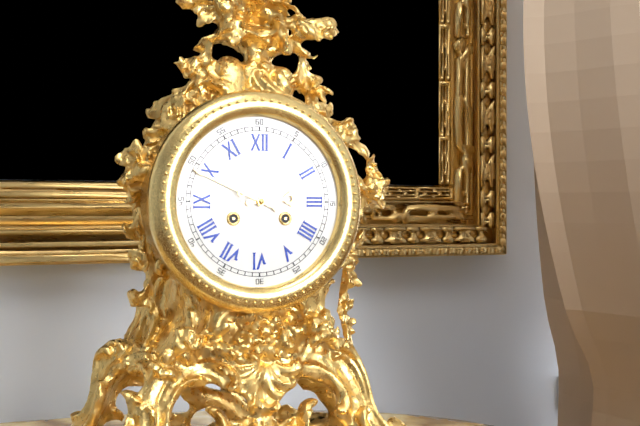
2:49
